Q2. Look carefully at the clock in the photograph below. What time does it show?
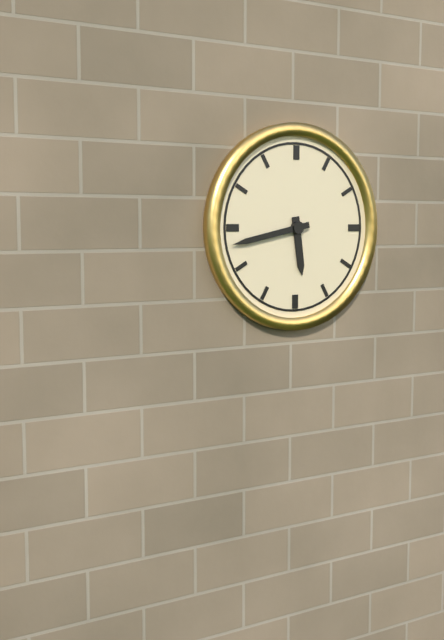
5:43
